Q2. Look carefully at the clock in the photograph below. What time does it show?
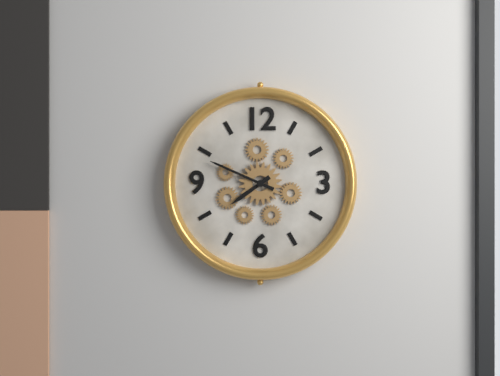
7:49
